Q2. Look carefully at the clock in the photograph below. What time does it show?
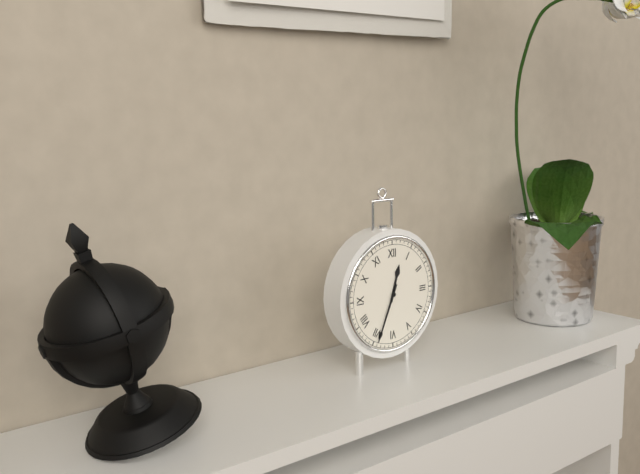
12:34
